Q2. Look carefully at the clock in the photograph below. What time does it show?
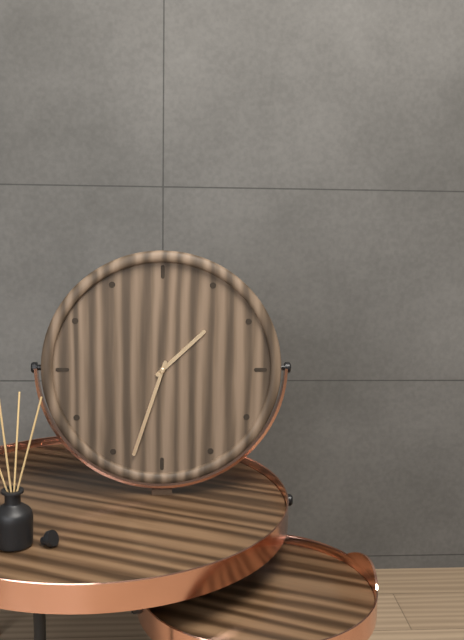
1:33
